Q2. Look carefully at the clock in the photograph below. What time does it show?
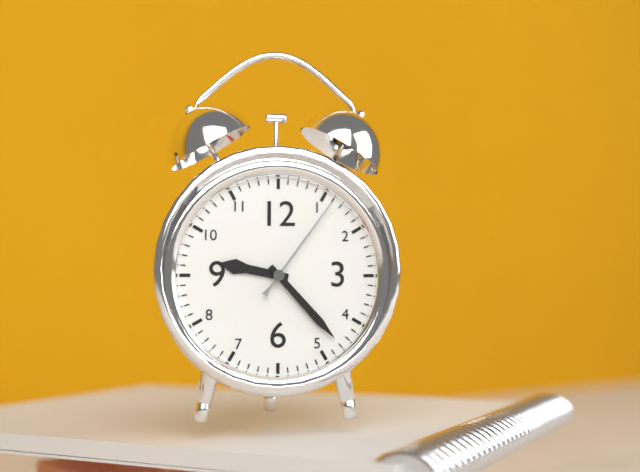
9:23:06
